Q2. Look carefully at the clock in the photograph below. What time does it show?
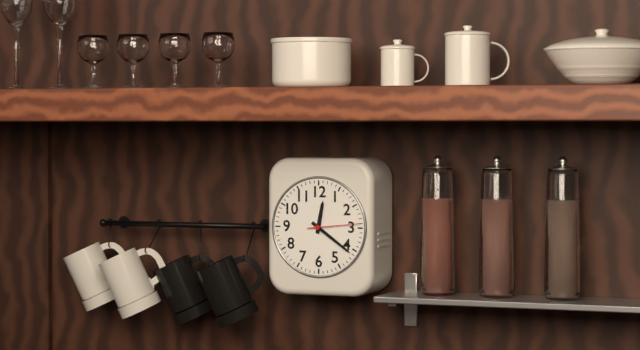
12:21:14
